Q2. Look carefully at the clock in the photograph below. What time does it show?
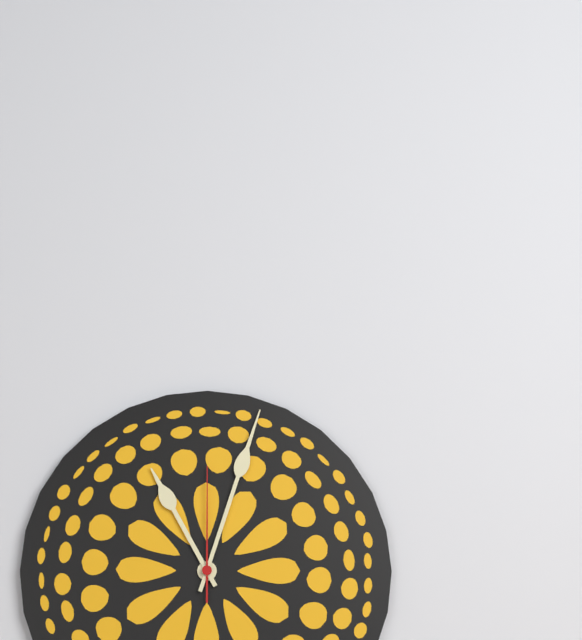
11:03:00
